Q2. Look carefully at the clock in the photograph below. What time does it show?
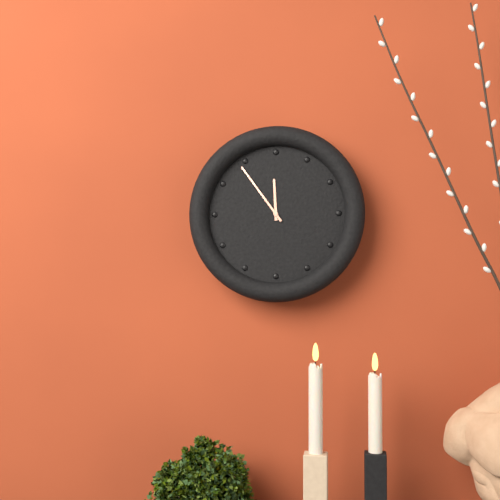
11:54
